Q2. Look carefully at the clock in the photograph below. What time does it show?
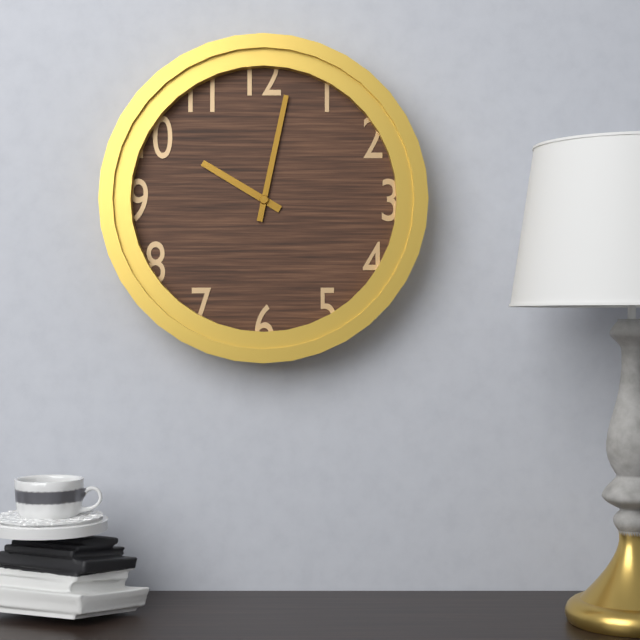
10:02
